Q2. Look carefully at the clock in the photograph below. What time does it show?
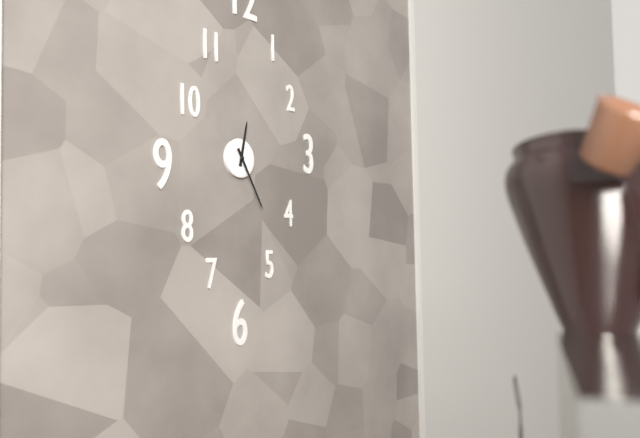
12:25
